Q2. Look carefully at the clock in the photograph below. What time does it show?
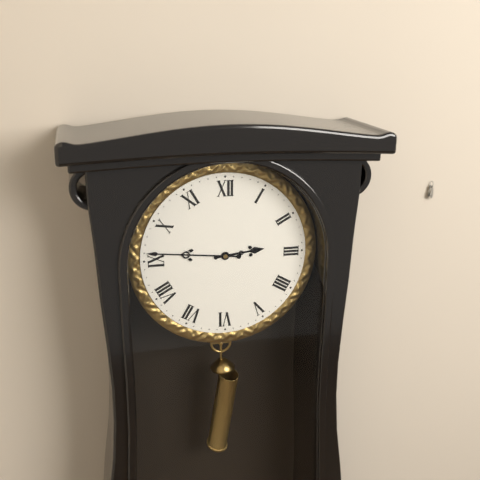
2:46
